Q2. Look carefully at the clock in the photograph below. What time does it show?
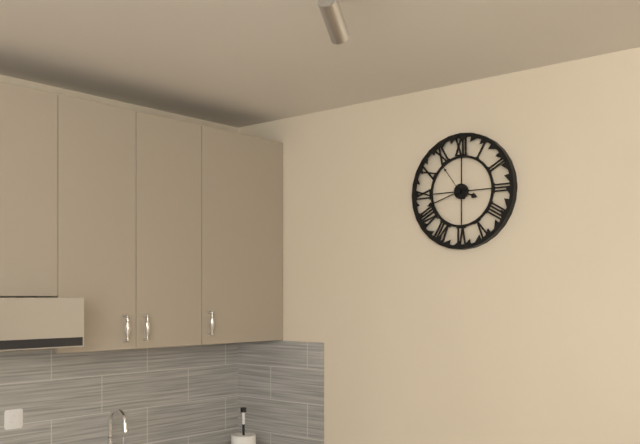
3:42
